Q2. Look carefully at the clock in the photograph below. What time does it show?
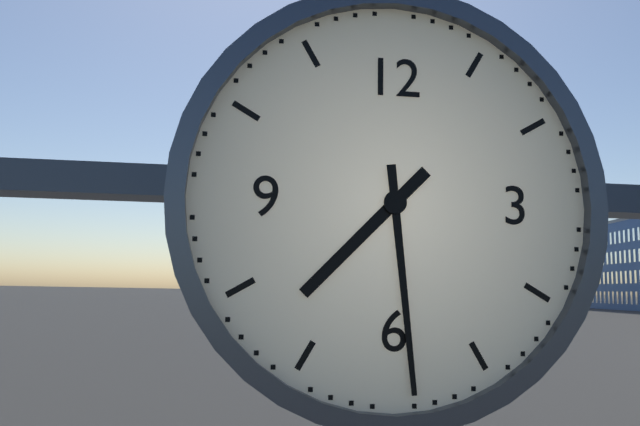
7:29
